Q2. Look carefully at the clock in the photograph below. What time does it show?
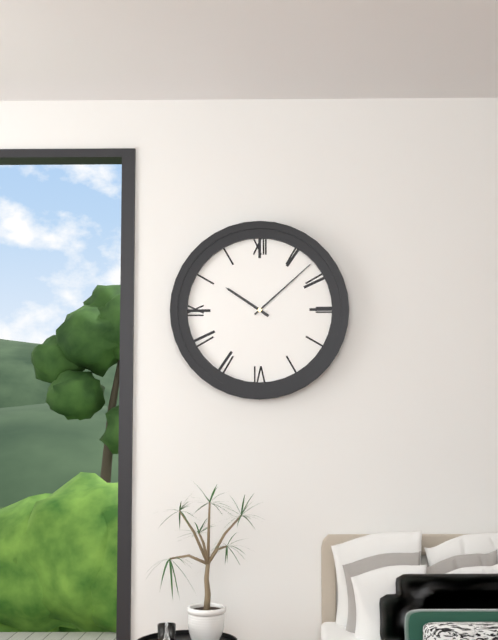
10:08
